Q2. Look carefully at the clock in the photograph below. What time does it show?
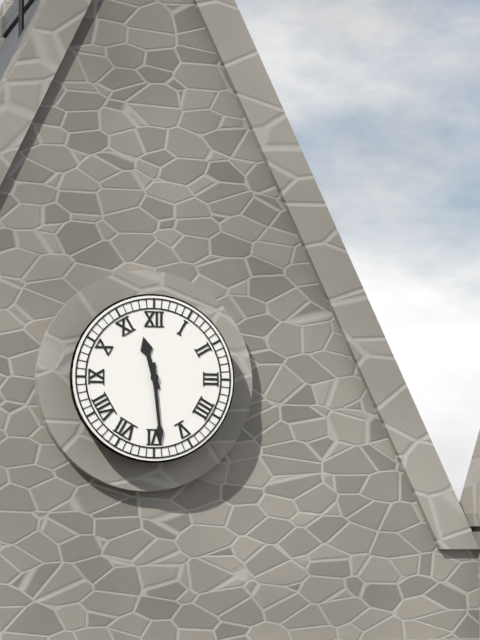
11:29
